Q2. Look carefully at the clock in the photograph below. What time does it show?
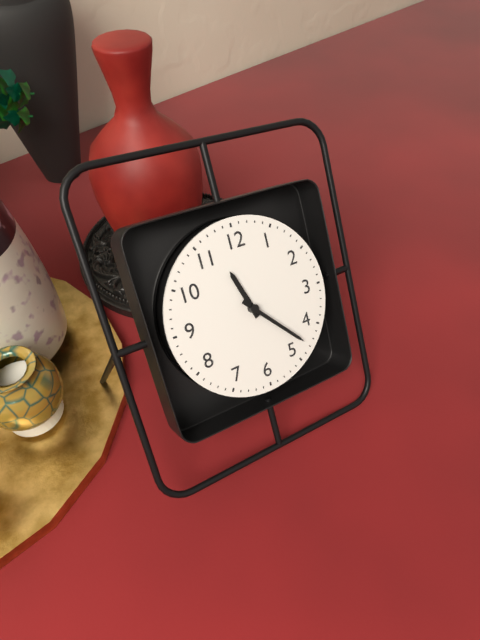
11:23
